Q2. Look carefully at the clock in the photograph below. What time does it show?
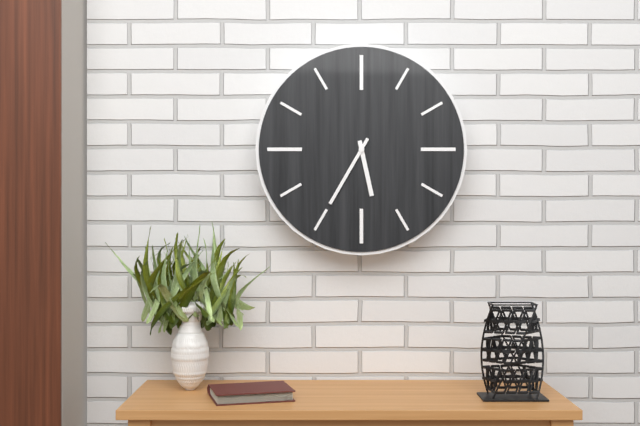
5:35
